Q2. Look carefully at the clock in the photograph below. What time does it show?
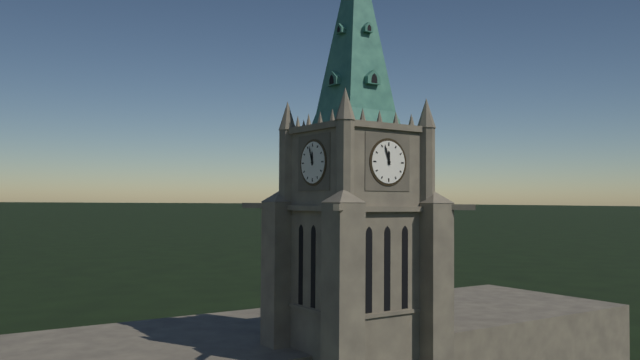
11:57
